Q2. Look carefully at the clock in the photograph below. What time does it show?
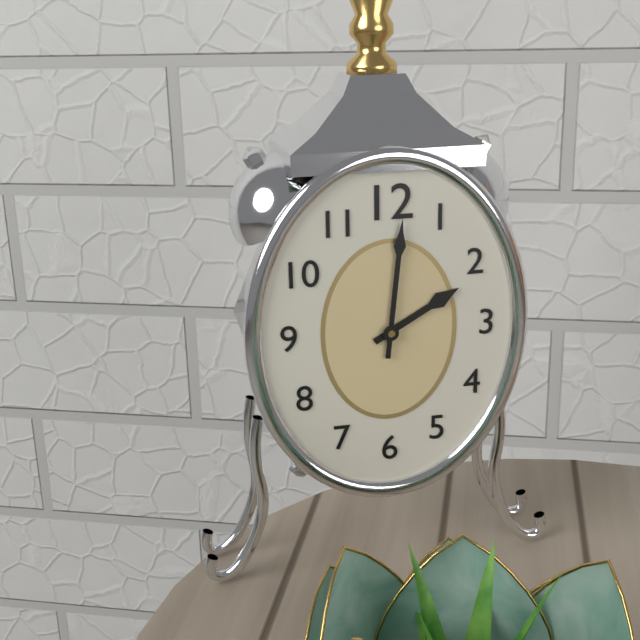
2:01
